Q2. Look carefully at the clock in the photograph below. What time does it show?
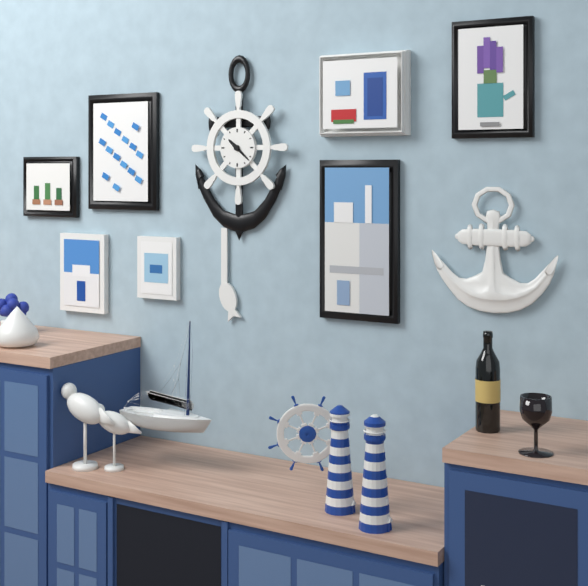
10:22
